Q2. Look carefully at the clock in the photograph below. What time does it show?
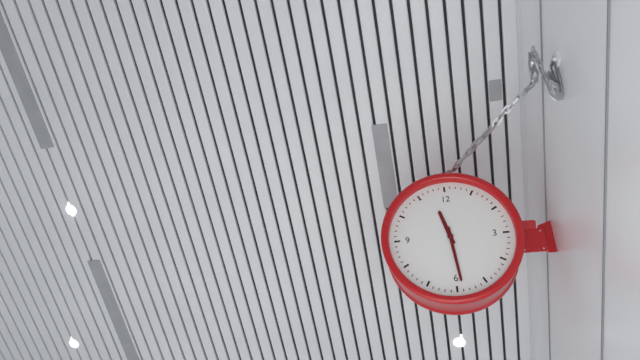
11:29
